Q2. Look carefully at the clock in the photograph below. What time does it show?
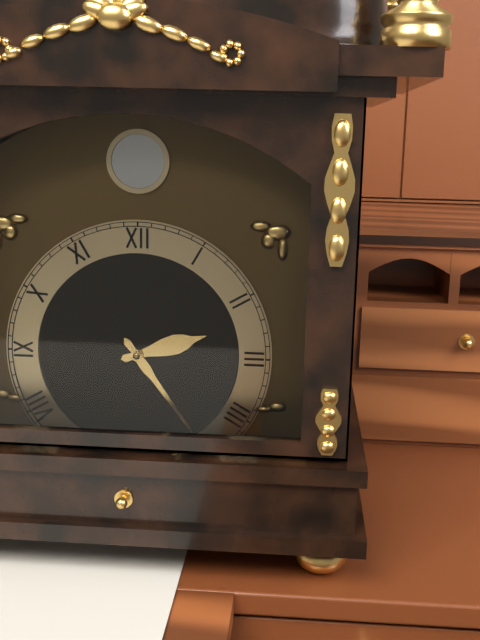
2:24
